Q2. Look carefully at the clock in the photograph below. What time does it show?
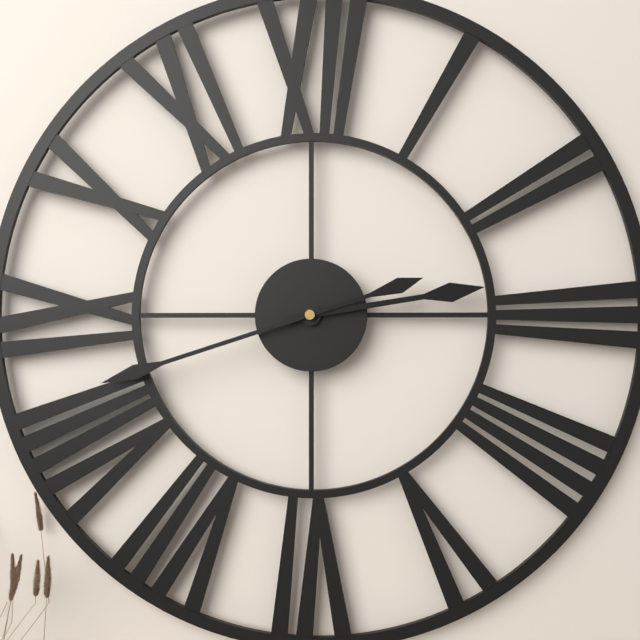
2:42
